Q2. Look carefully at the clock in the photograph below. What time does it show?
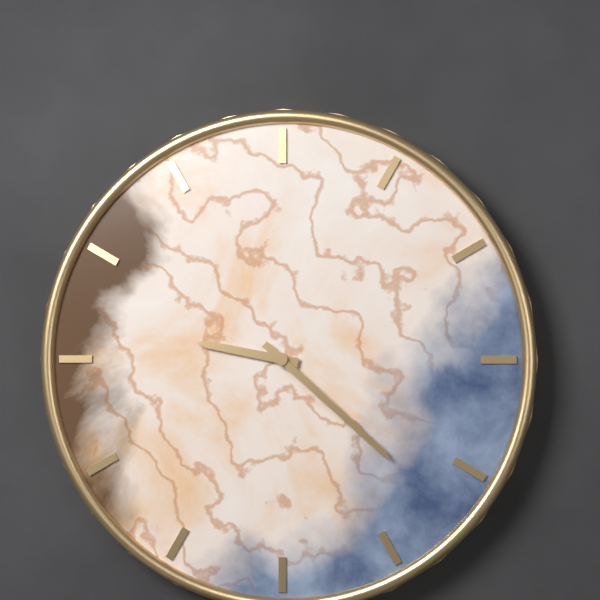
9:22
